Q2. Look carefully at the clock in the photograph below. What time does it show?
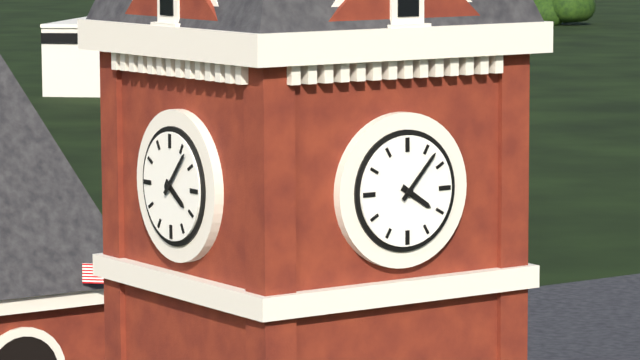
4:07
